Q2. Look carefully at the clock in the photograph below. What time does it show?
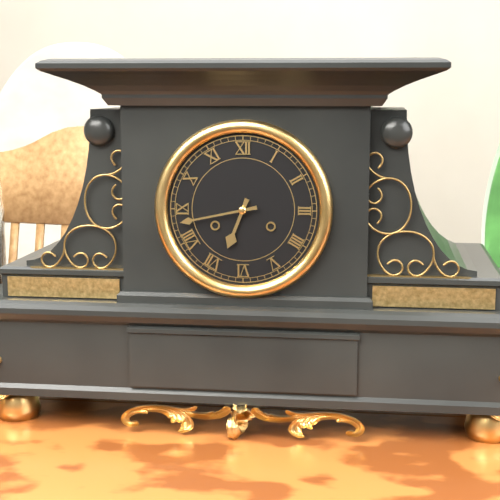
6:43
